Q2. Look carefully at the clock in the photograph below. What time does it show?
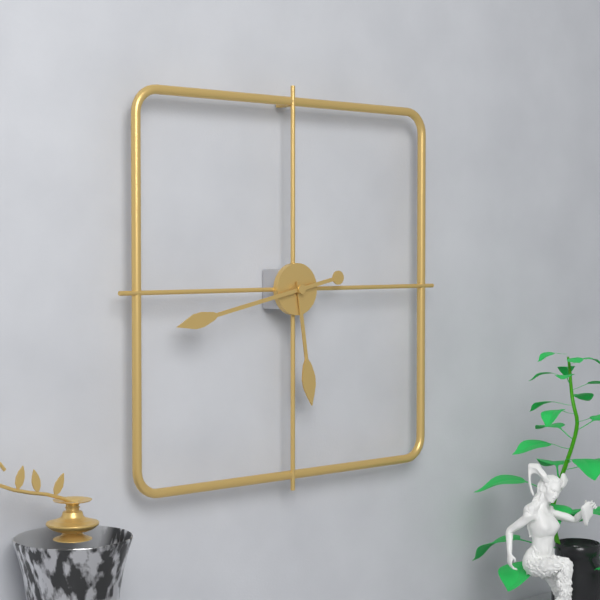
5:43
